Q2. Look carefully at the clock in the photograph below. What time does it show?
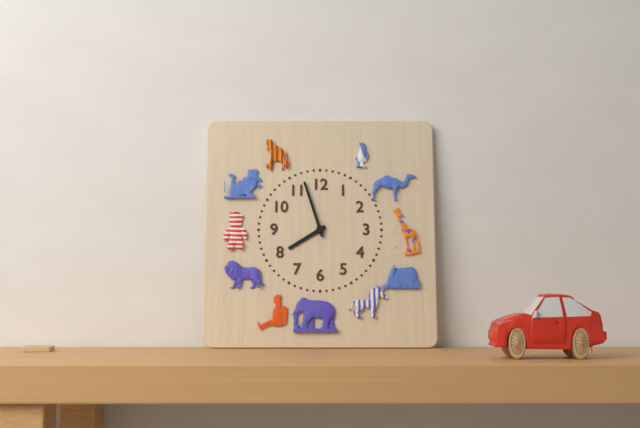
7:57
